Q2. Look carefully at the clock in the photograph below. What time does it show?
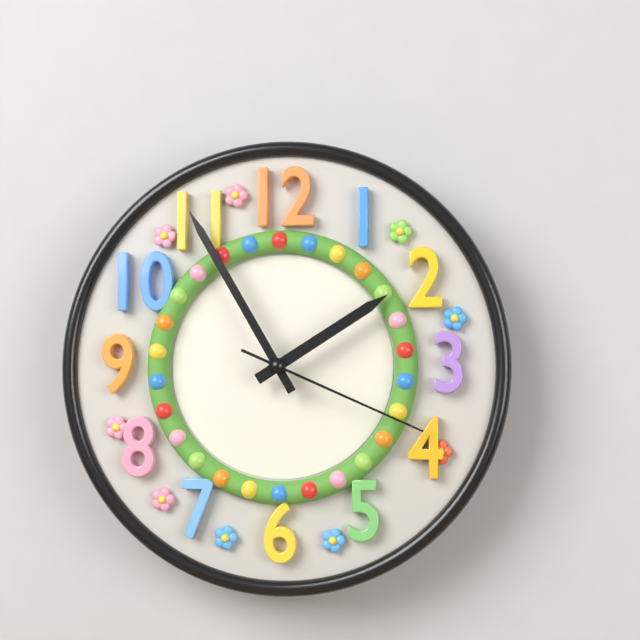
1:55:19
